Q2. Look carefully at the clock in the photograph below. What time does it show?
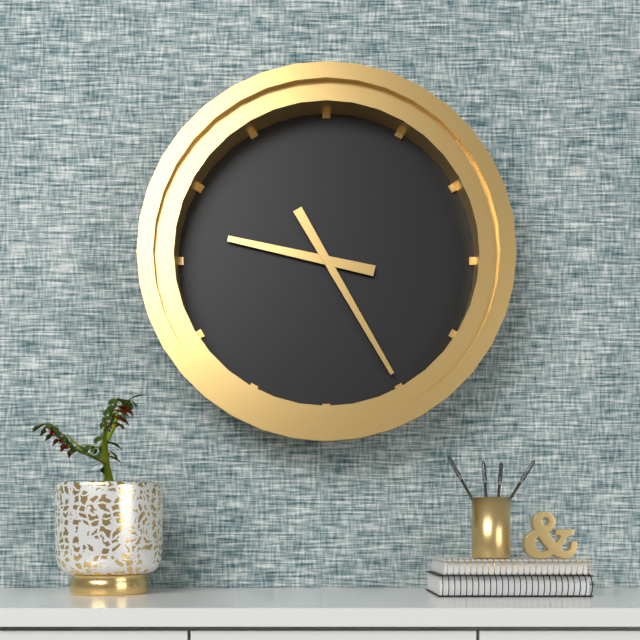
9:25
